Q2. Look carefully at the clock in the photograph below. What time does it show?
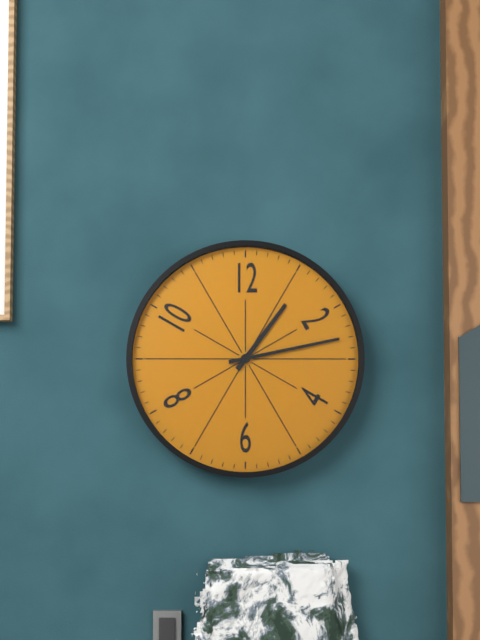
1:13
